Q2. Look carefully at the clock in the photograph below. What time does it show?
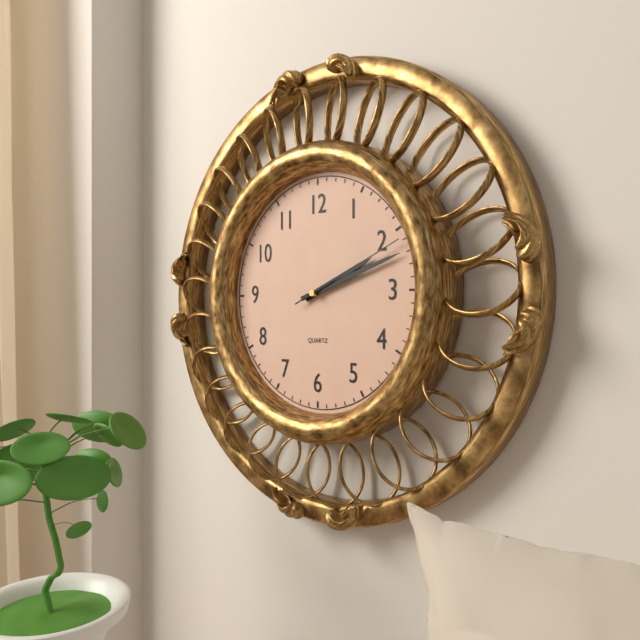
2:12:11
